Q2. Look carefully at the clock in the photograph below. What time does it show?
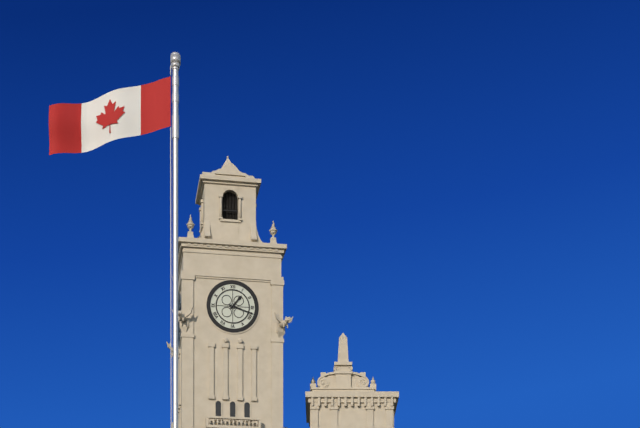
1:18
